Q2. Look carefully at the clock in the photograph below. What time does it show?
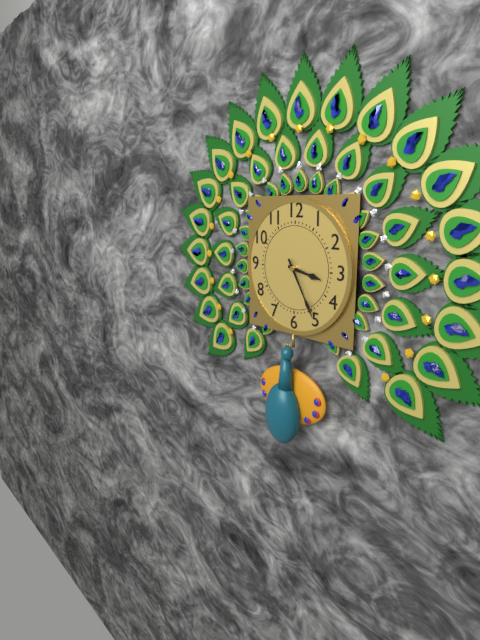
3:25
